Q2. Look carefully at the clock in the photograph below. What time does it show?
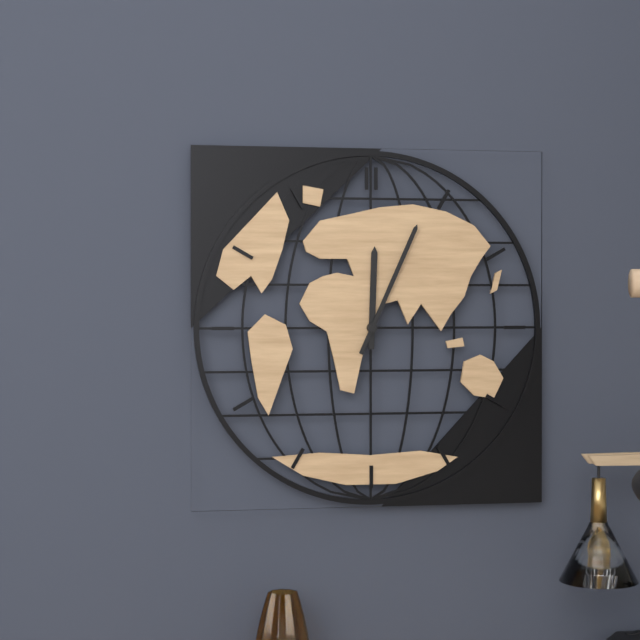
12:04
